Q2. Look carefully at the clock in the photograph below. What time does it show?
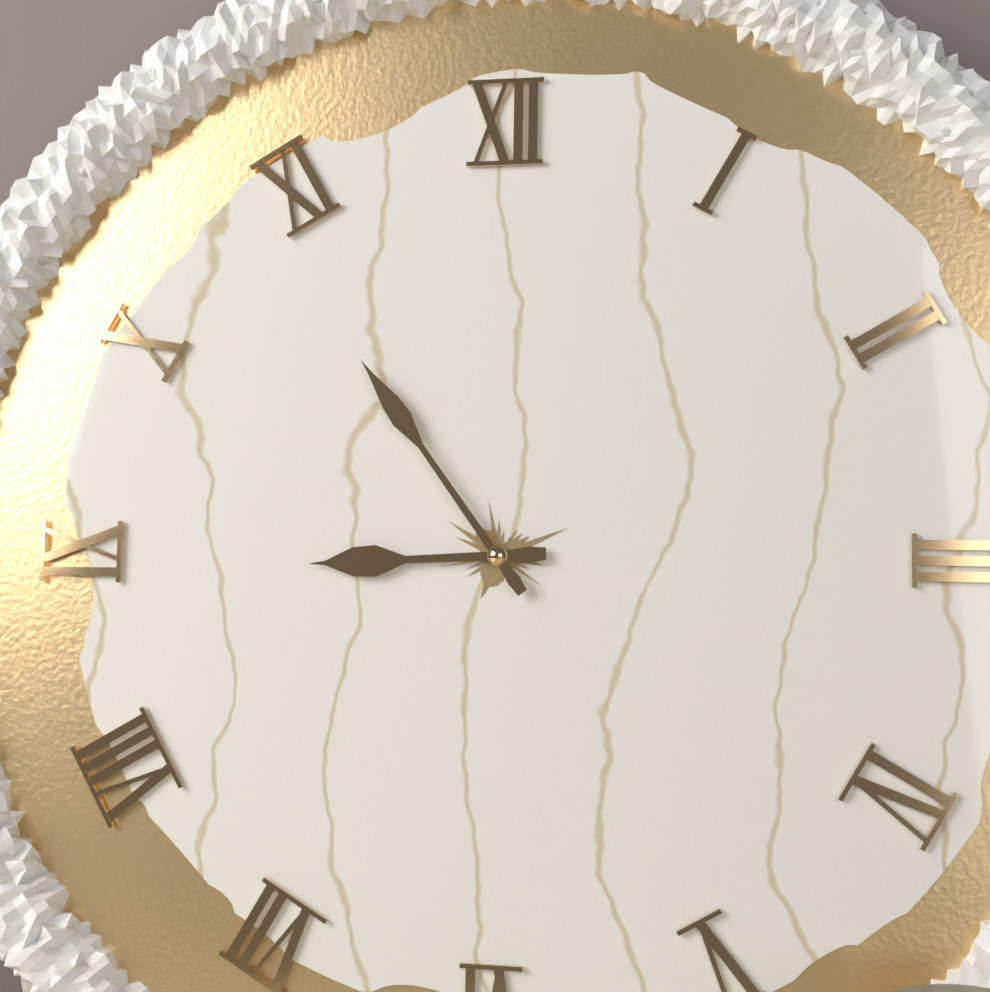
8:54
